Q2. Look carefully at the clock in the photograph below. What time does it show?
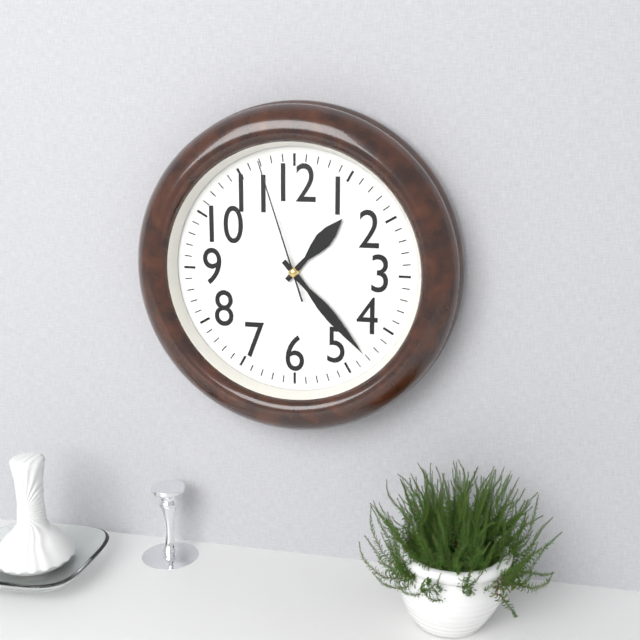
1:23:57
